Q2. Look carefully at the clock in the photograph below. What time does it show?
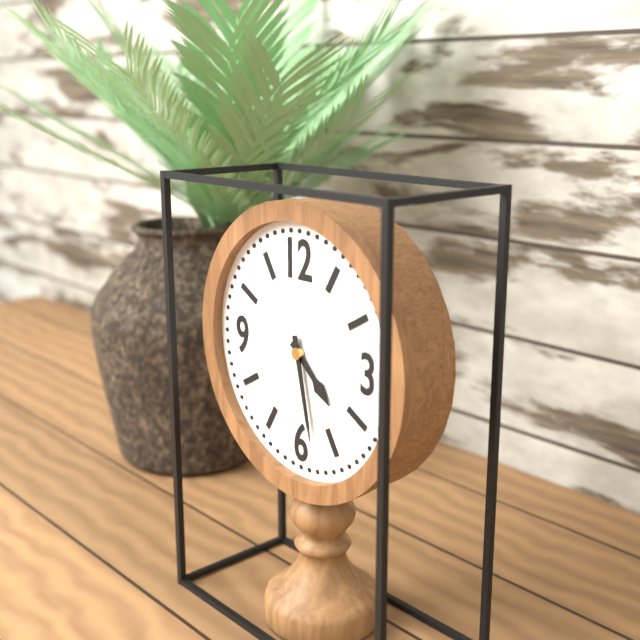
4:28
